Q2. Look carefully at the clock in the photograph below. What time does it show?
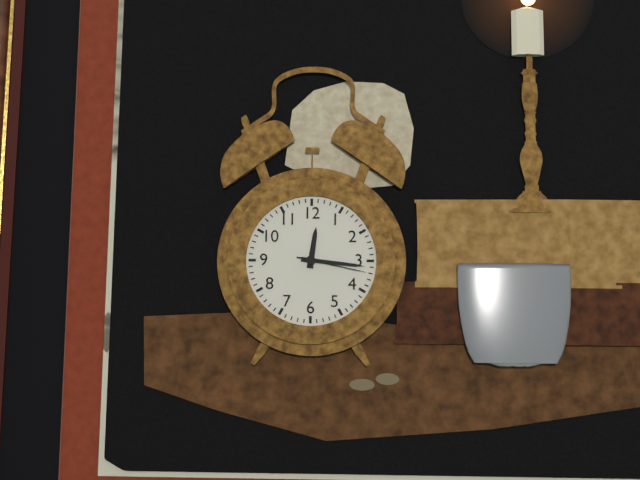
12:16:17
